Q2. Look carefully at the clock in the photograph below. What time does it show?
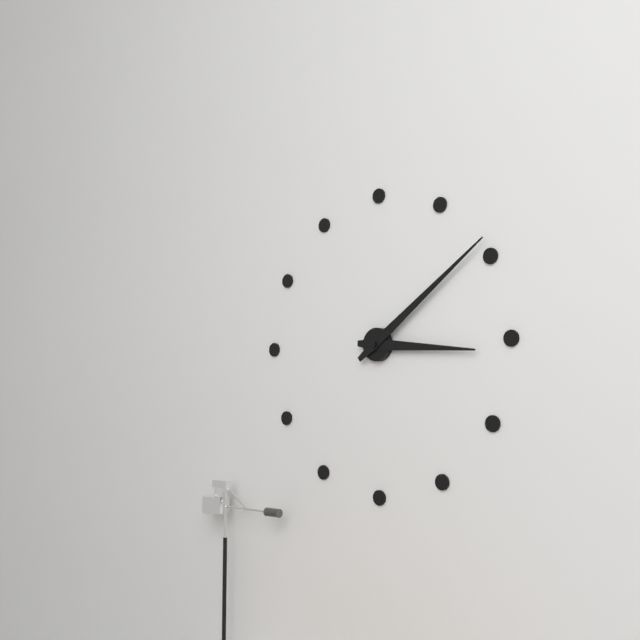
3:09
